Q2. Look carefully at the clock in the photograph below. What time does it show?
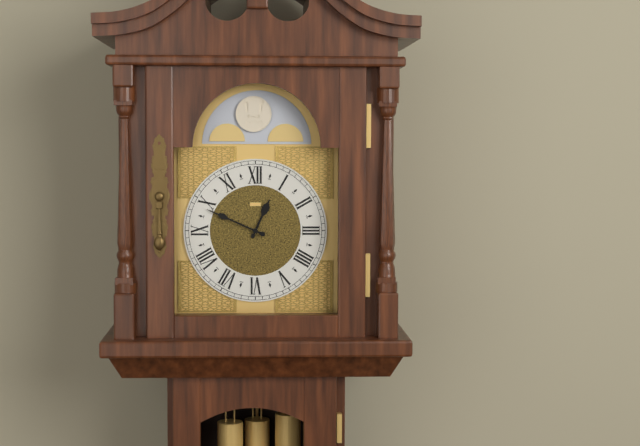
12:49
